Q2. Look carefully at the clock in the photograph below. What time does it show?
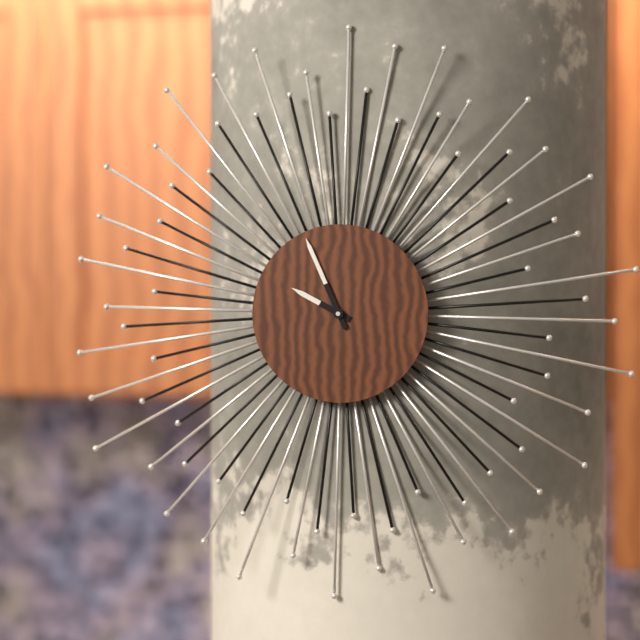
9:56
